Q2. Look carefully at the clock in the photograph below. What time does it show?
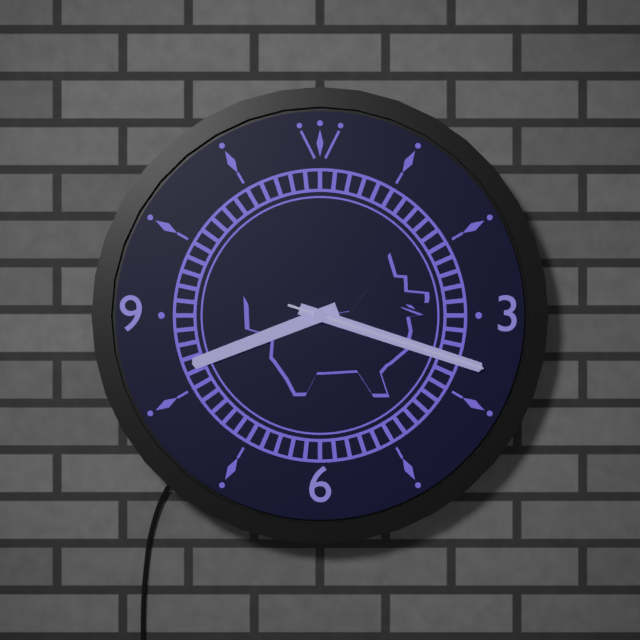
8:18:18
